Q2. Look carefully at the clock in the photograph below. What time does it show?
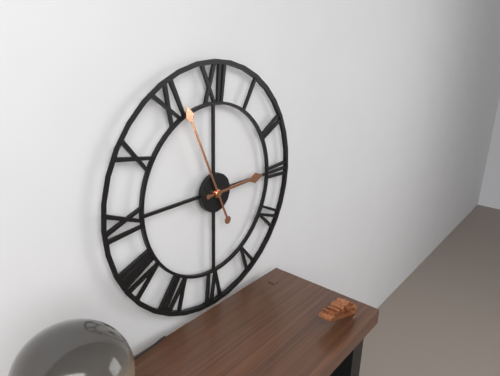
2:56
